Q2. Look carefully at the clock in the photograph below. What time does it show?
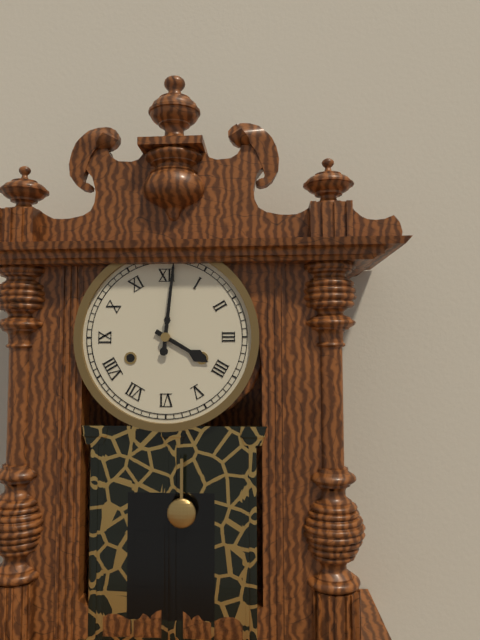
4:01
